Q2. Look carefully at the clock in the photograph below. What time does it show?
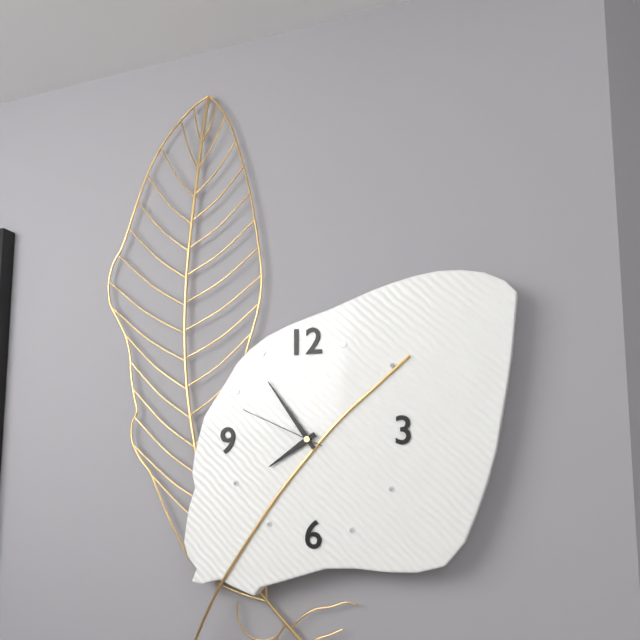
7:54:49
